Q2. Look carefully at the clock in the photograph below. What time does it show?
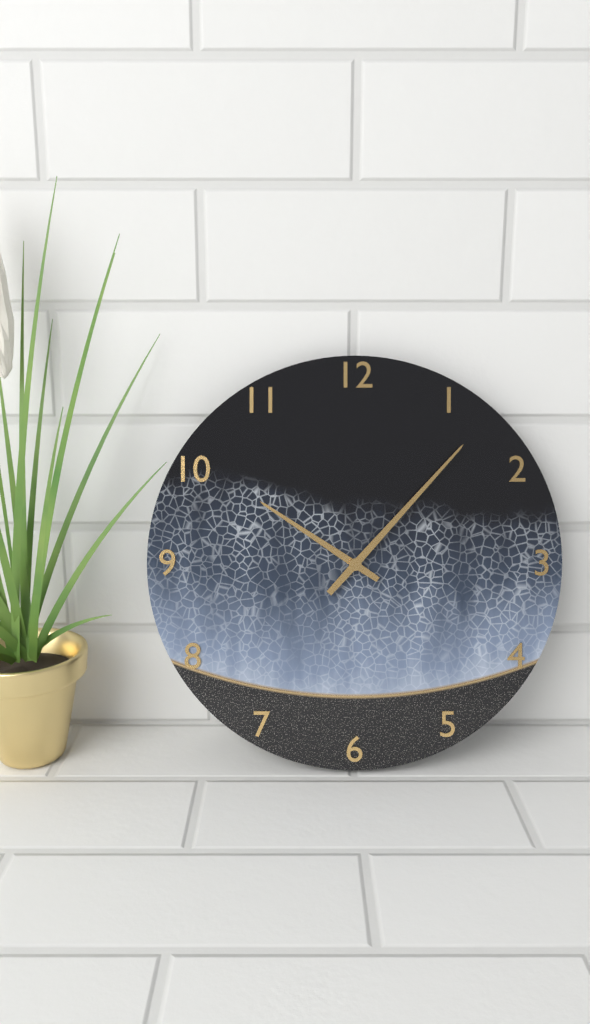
10:07
